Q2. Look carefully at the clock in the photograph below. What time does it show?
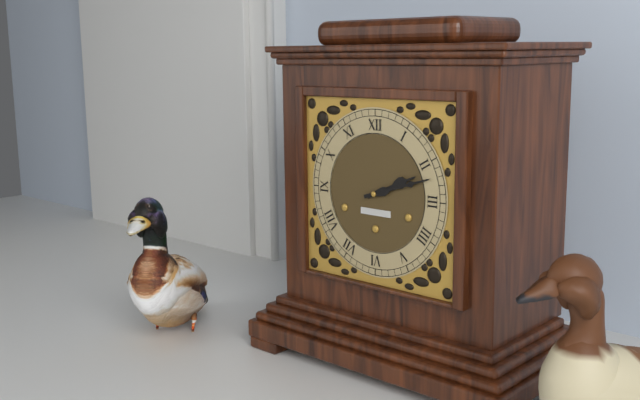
2:12
